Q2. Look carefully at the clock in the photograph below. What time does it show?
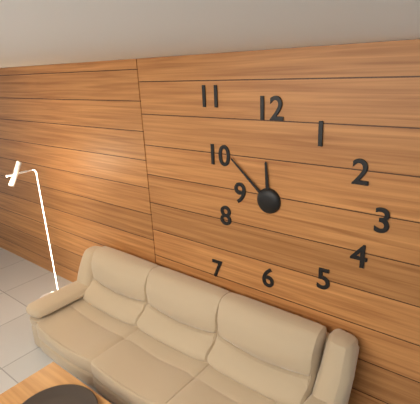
11:52
